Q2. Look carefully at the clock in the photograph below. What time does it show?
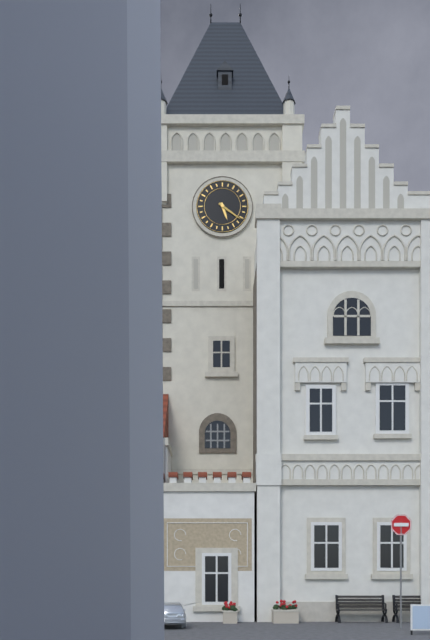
5:21
